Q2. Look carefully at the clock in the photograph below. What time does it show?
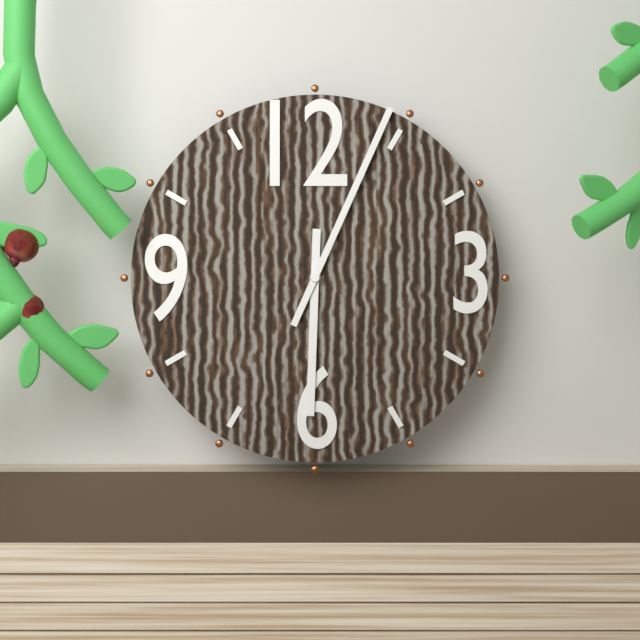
6:04
